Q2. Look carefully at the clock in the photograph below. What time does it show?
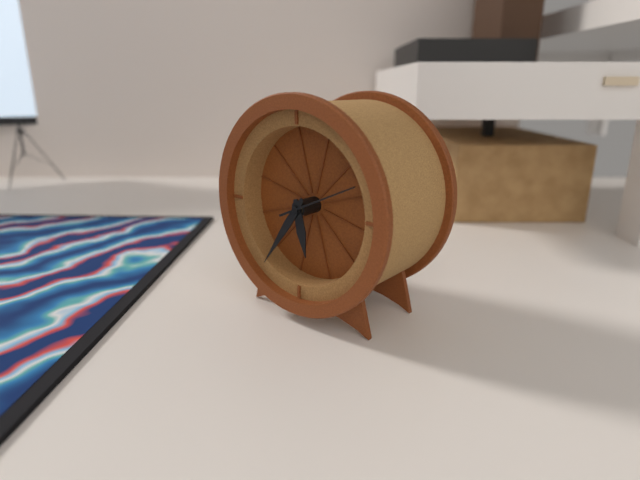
5:36:11
